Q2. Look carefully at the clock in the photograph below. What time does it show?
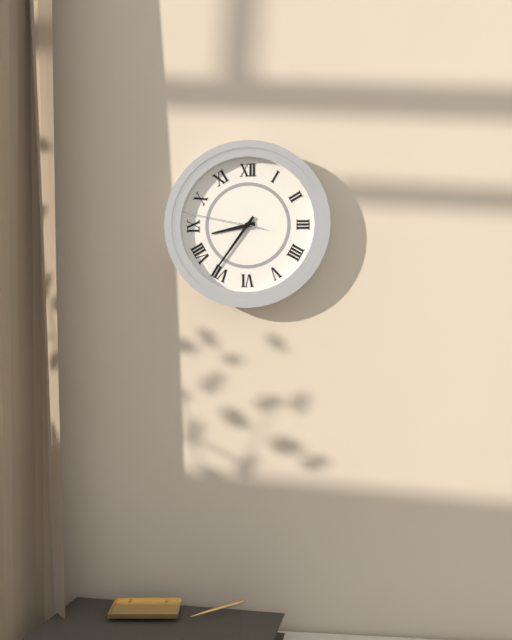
8:36:47
